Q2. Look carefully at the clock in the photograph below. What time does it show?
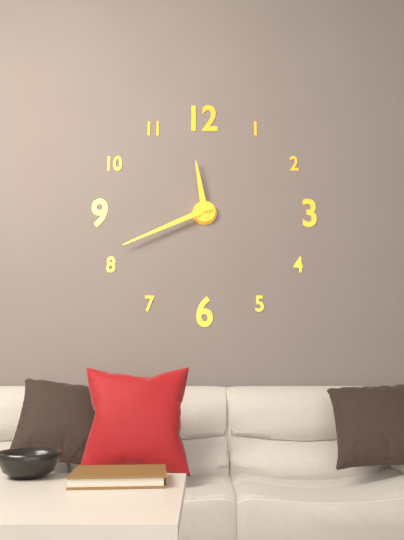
11:41
